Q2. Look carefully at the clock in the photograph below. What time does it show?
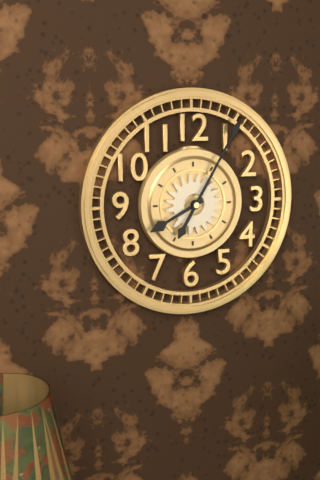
8:05
